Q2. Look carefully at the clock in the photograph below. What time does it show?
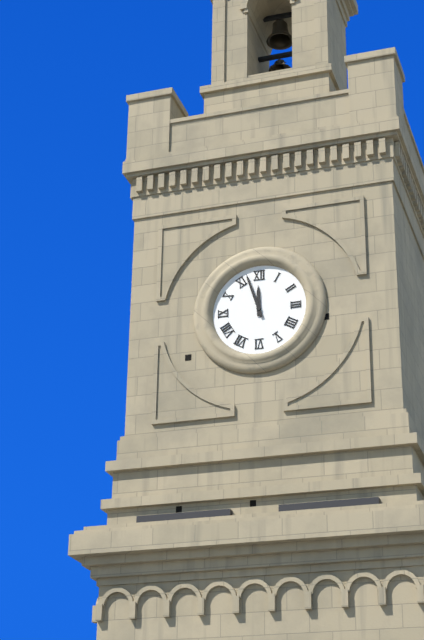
11:57
